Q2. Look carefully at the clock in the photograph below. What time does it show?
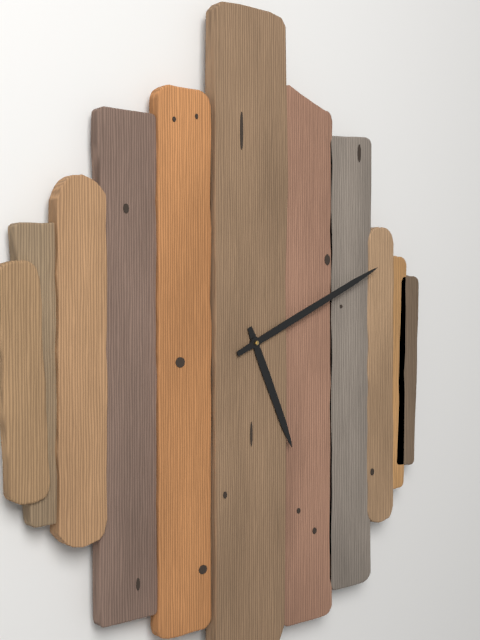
5:11
